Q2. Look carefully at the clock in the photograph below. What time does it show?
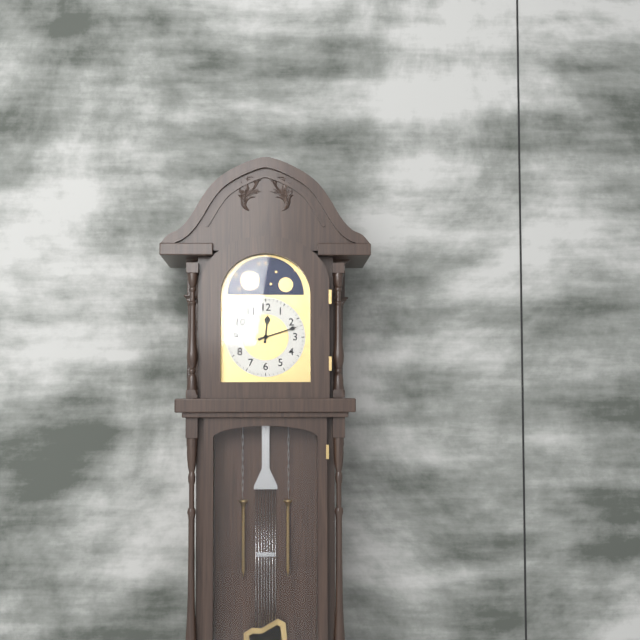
12:12
